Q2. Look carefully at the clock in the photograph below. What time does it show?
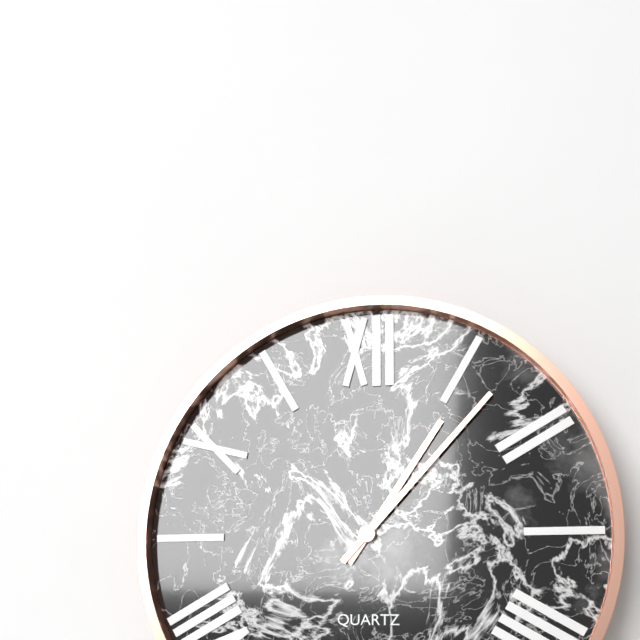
1:07
